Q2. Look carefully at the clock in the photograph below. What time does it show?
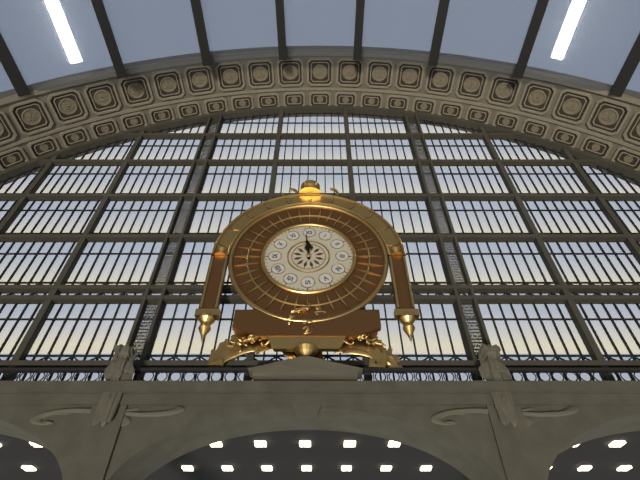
11:59
